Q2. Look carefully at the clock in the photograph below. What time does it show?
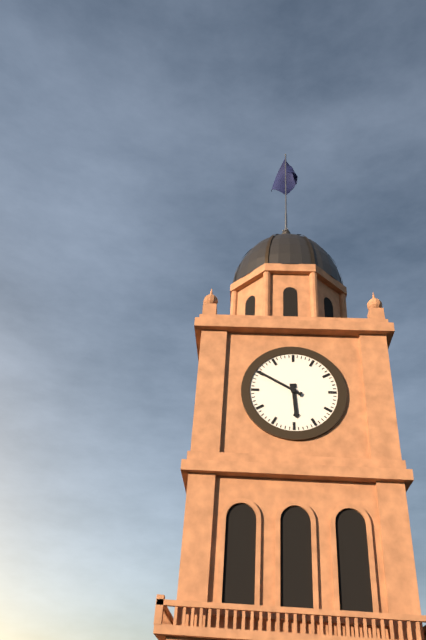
5:50
